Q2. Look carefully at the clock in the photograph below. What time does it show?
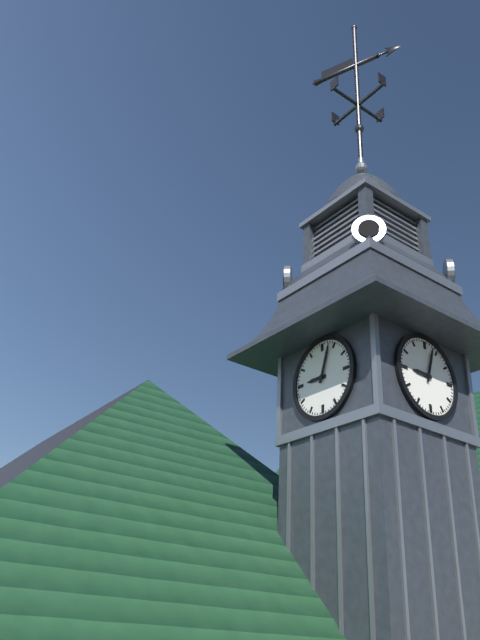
9:03
